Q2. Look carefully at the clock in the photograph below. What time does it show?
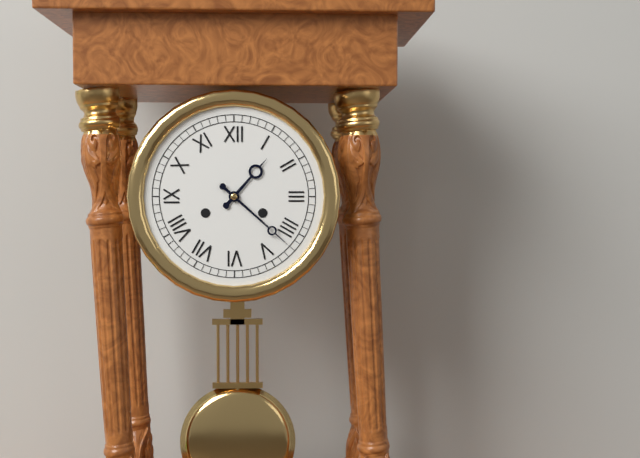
1:22
